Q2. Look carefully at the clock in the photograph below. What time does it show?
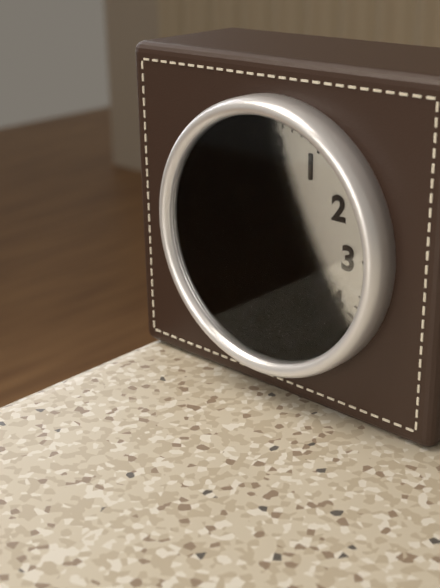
4:39
